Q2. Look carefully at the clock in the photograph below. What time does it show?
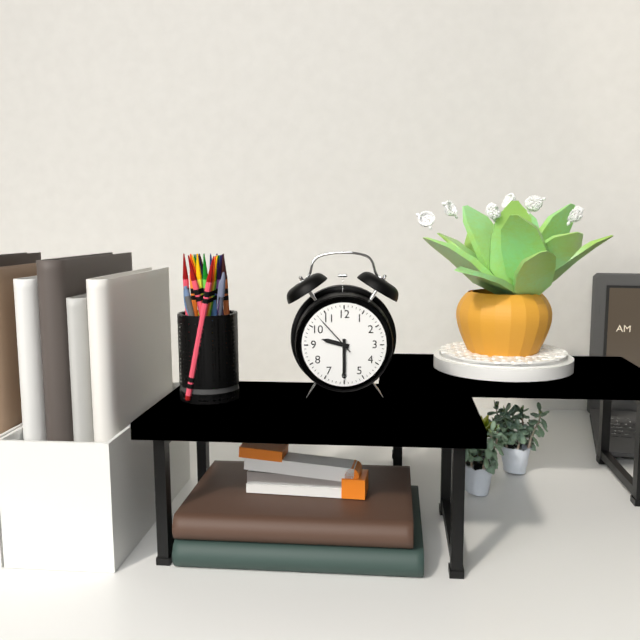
9:30
